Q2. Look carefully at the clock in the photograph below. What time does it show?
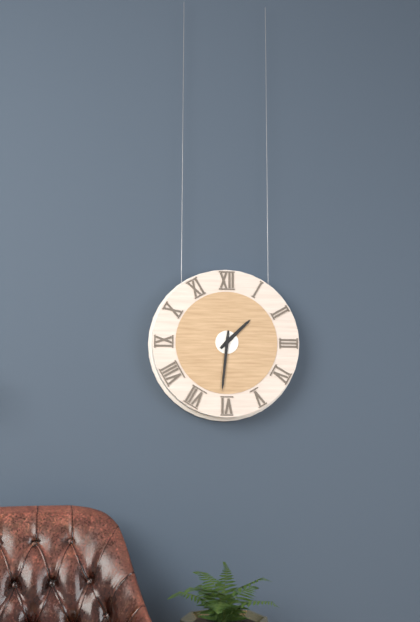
1:31
